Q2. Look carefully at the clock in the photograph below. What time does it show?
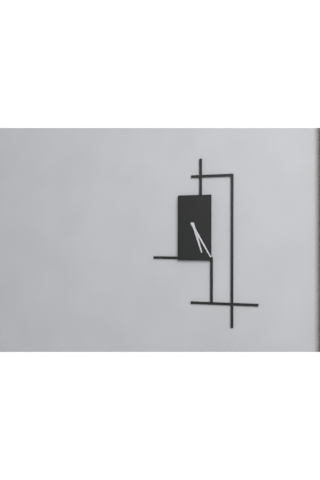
5:25
